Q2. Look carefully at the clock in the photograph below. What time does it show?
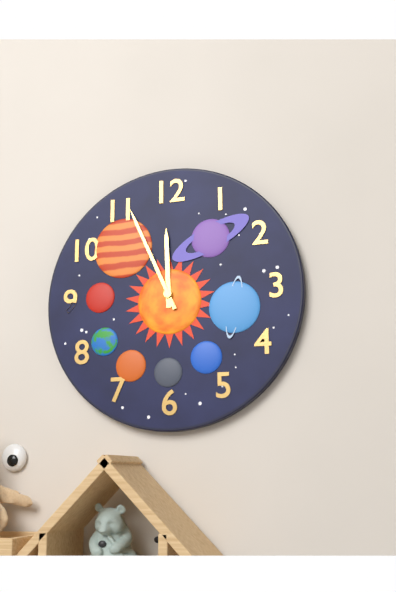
11:56
